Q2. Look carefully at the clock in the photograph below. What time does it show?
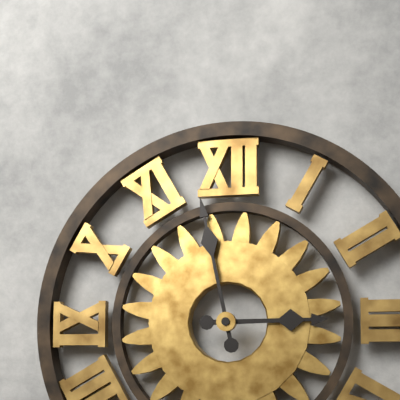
2:58
